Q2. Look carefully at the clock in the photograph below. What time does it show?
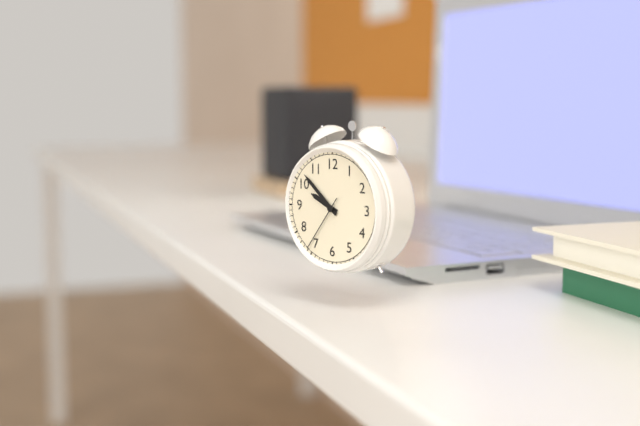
9:52:36
